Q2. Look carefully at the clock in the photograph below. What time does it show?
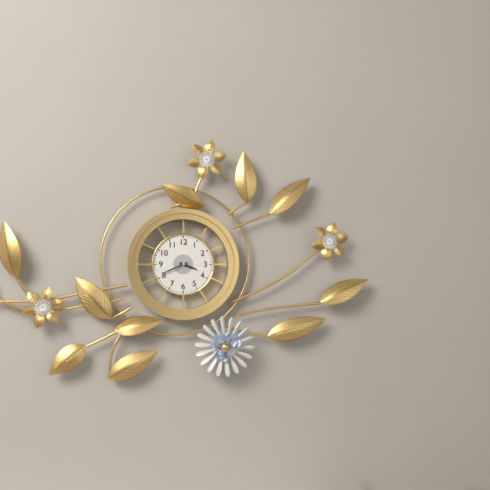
3:41
